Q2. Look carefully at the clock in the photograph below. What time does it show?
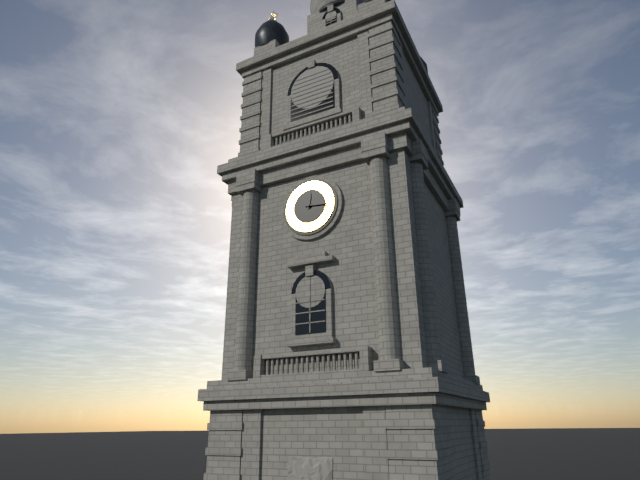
12:16
